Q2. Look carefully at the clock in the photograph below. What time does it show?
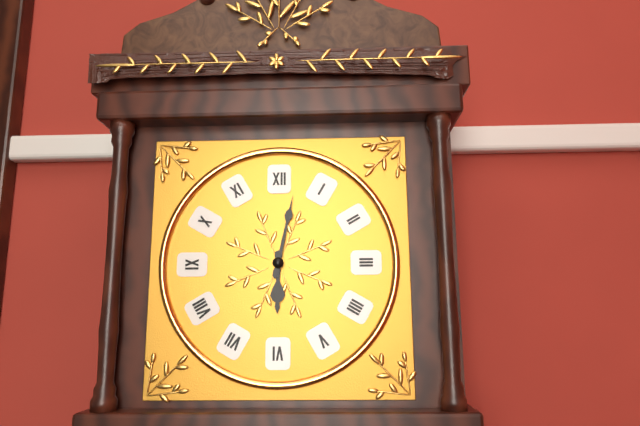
6:02
